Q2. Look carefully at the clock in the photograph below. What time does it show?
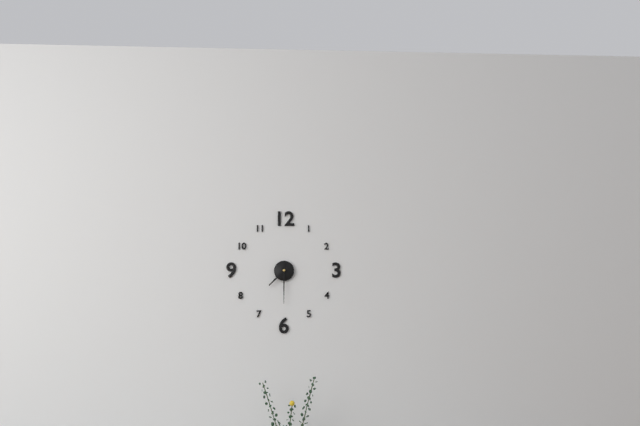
7:30
